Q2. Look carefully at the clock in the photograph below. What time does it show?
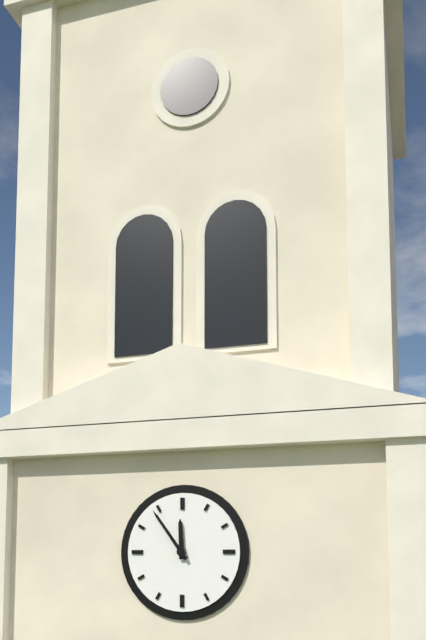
11:54
